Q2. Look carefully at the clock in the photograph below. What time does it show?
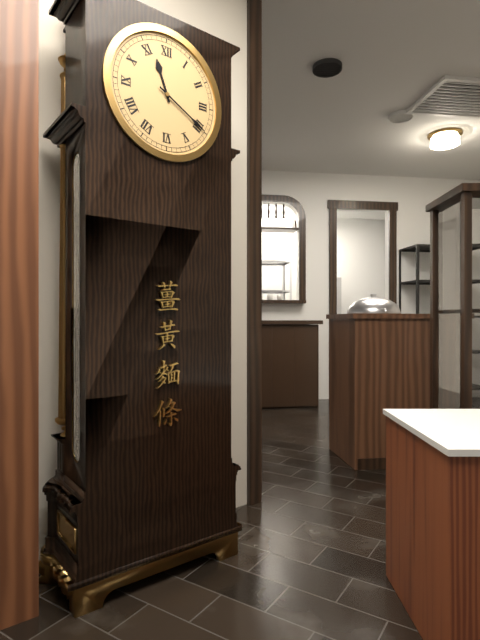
11:20
